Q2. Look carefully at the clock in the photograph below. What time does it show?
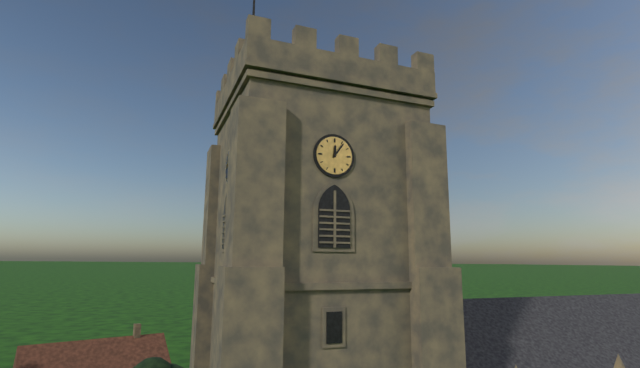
12:06
